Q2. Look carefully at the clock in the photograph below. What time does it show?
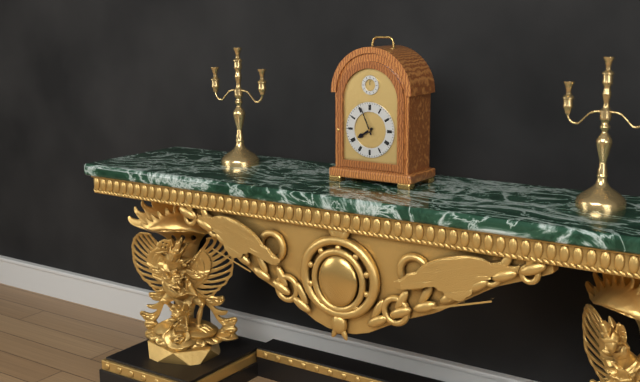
7:56
